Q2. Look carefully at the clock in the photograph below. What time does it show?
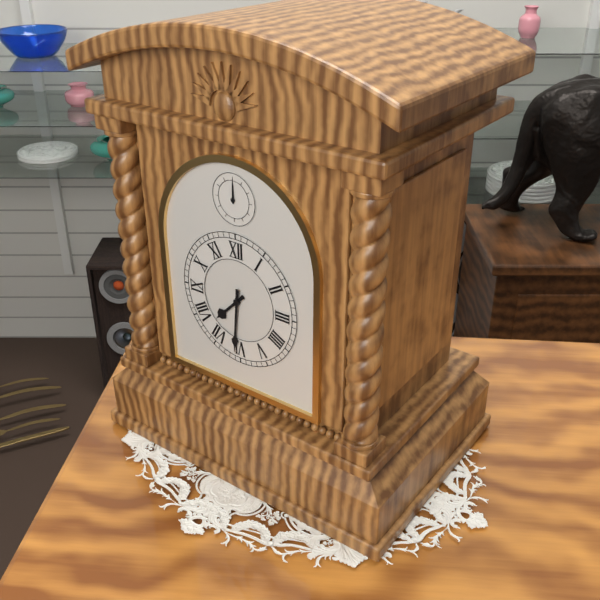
7:31
